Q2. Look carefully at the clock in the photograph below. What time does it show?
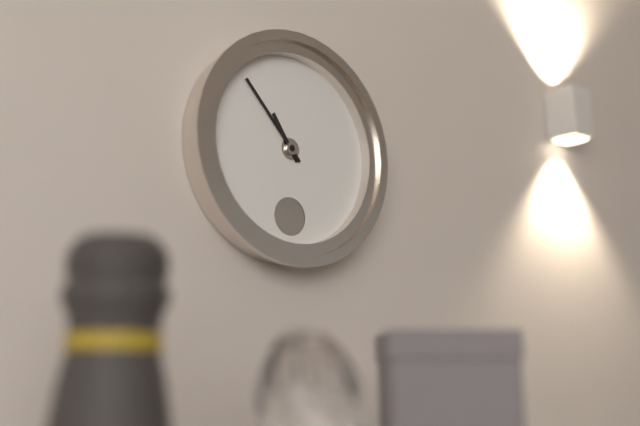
10:53
